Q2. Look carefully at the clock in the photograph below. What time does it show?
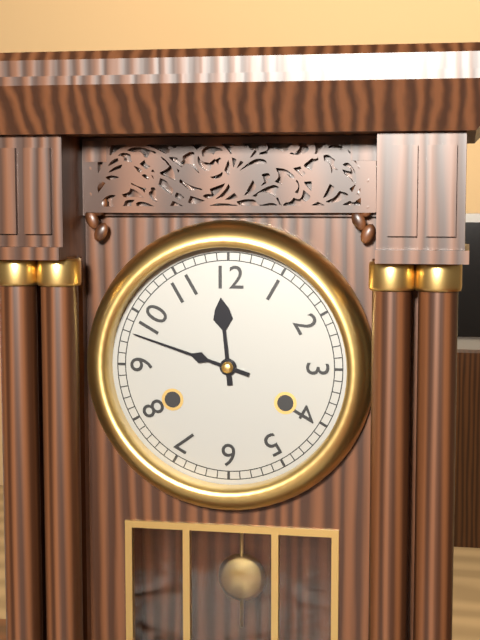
11:48
